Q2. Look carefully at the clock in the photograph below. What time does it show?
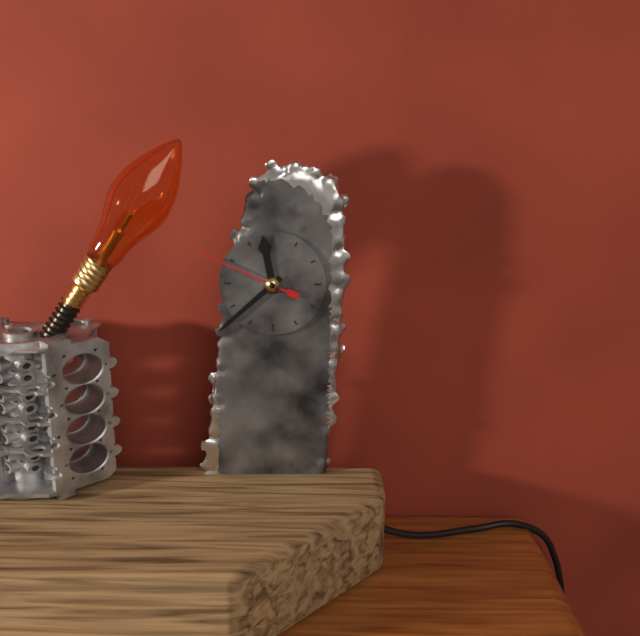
11:38:49
